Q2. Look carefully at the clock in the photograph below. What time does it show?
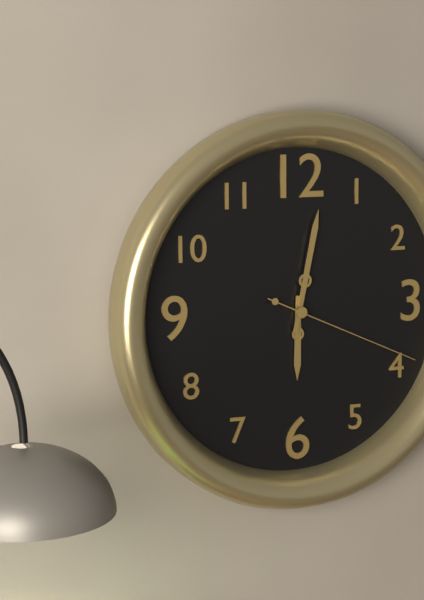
6:02:19
